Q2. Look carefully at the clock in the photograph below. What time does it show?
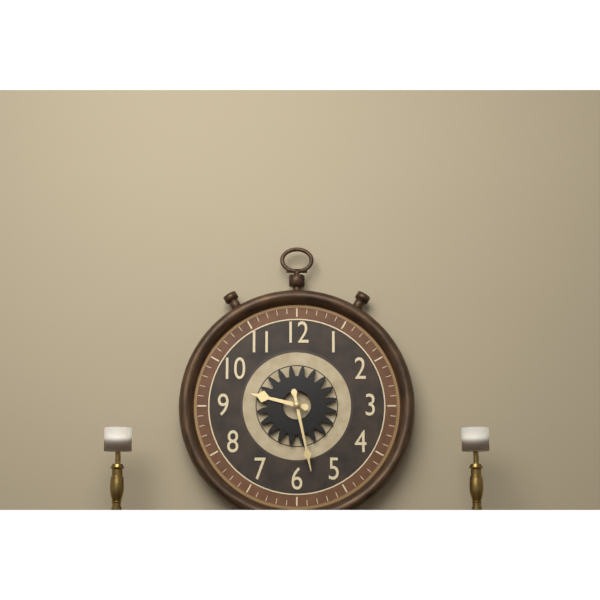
9:28
